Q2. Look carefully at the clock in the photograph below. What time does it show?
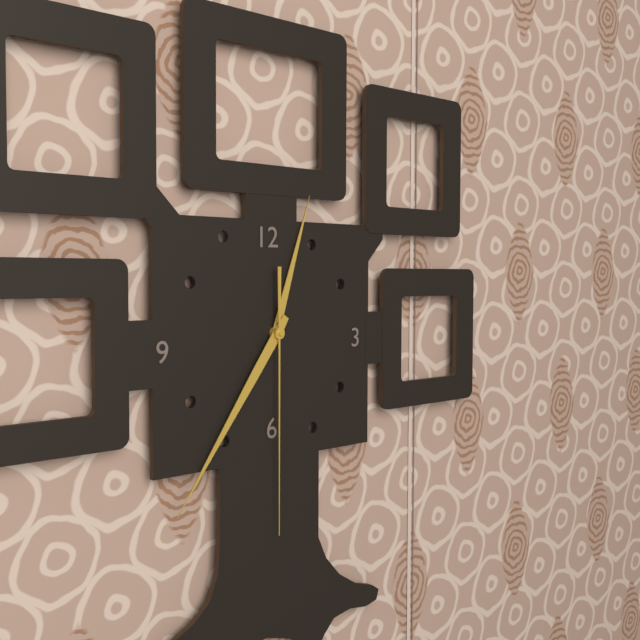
12:36:30
